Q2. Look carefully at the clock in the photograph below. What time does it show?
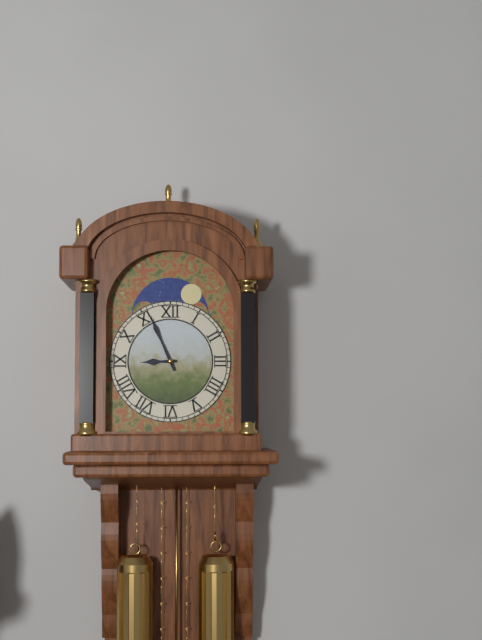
8:56
